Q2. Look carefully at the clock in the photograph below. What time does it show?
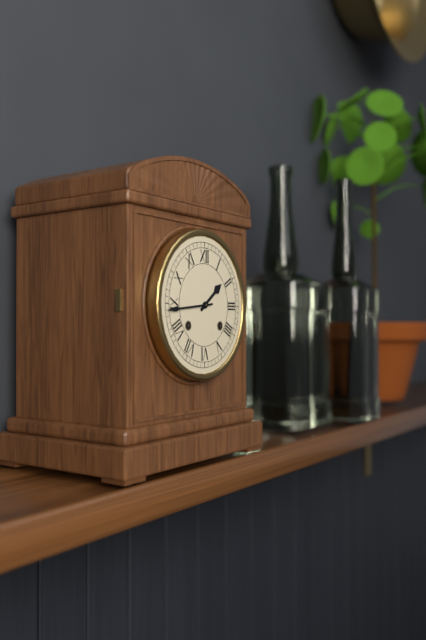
1:44
